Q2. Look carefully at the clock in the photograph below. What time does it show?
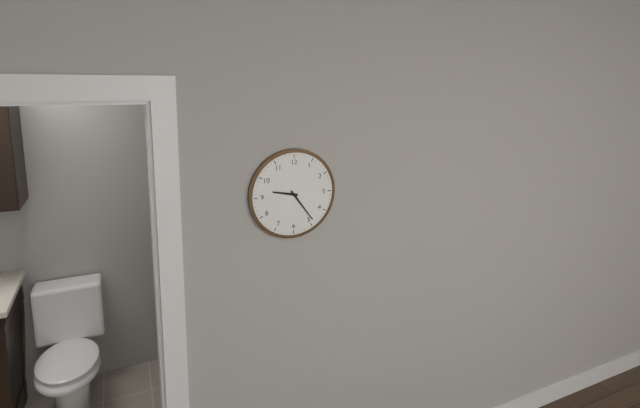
9:24
